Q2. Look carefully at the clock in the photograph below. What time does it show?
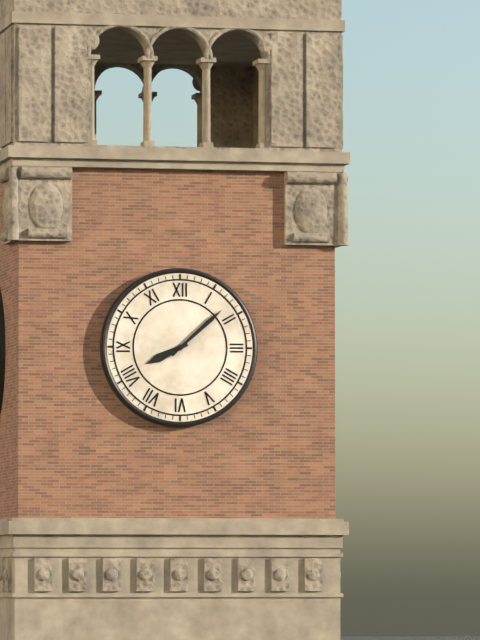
8:08
